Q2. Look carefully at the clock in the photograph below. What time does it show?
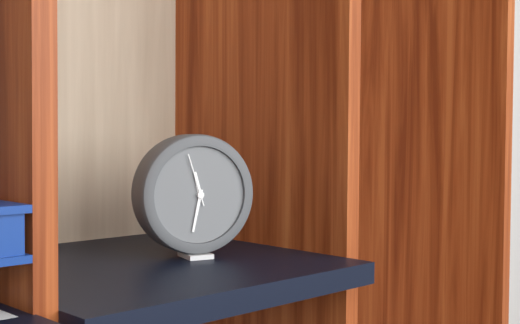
11:32:57
